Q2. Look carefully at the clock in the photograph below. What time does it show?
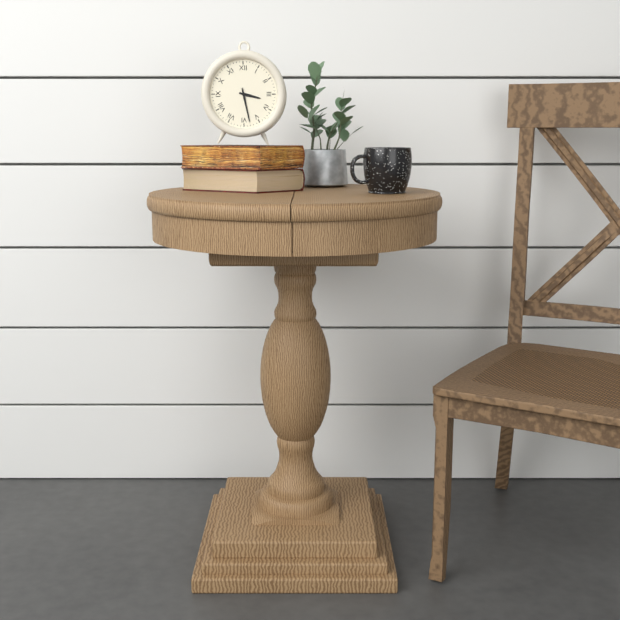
3:28
